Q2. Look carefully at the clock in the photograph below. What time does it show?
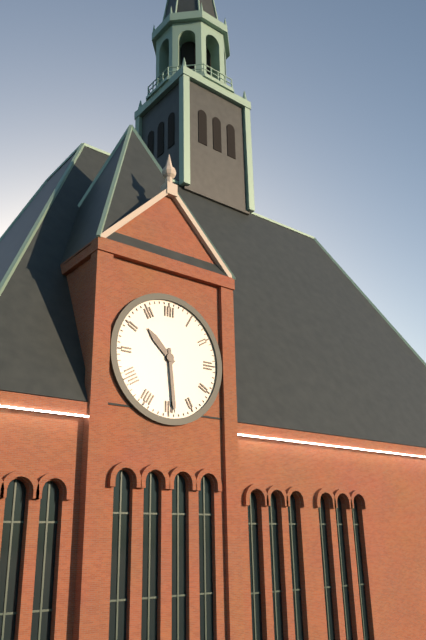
10:29
